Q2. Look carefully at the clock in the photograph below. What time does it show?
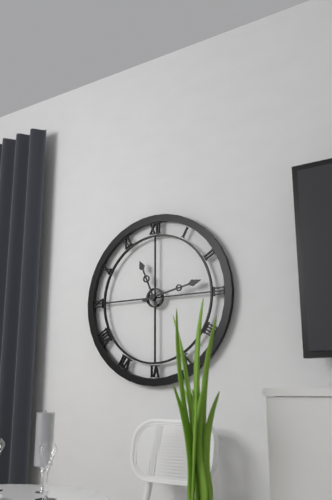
11:13
